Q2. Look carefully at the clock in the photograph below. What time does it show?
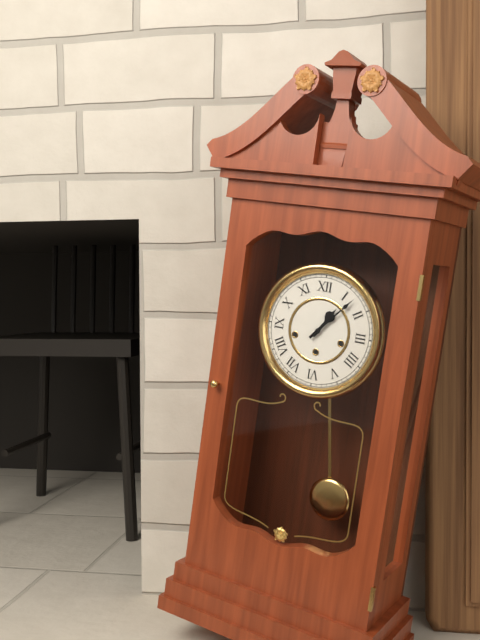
1:07
